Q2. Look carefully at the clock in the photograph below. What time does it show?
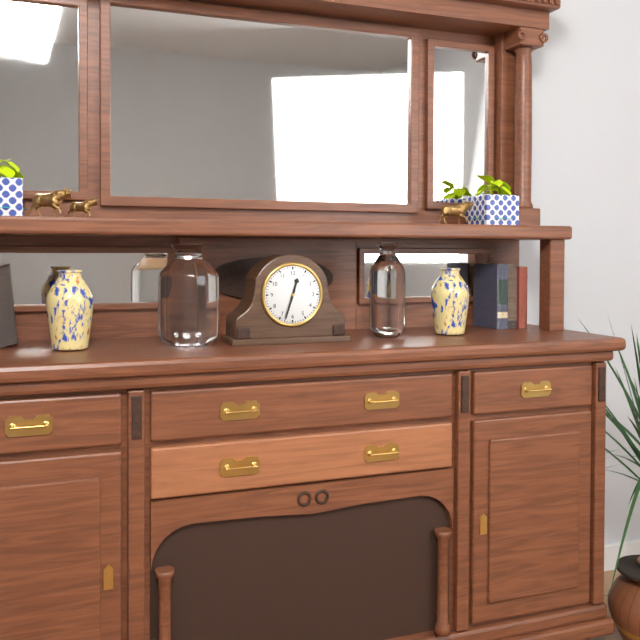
12:33
